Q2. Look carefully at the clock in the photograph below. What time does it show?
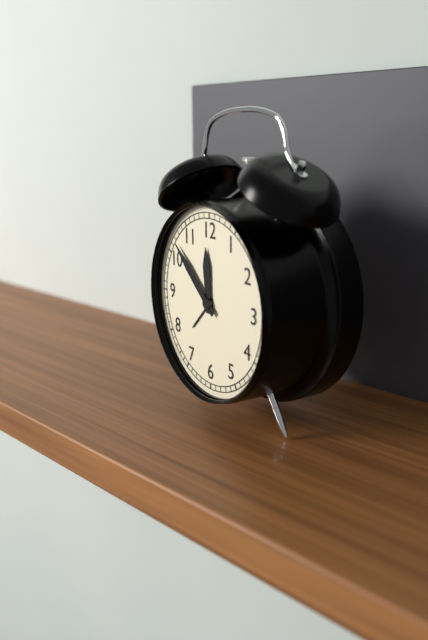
11:52
